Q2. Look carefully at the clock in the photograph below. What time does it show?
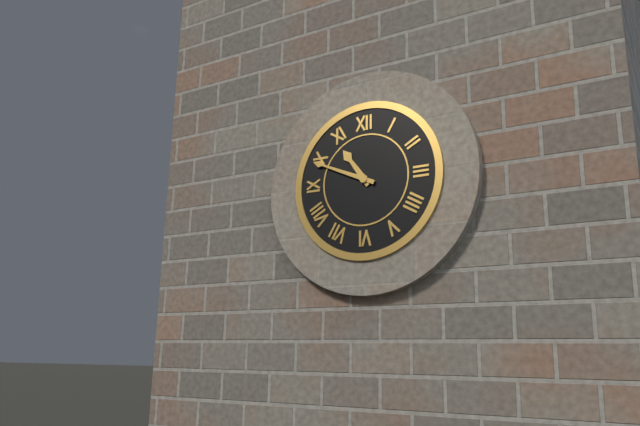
10:49
